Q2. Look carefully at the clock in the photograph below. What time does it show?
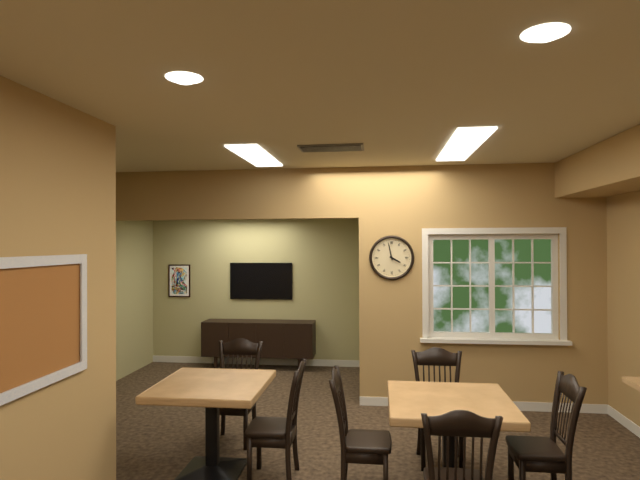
3:58
